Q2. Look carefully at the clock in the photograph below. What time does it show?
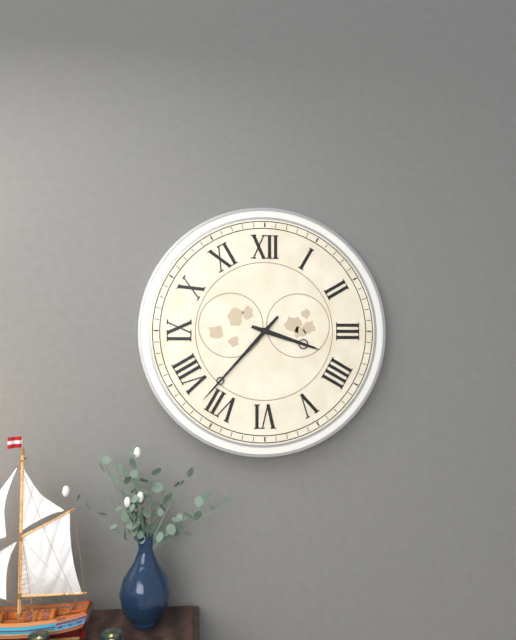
3:37
